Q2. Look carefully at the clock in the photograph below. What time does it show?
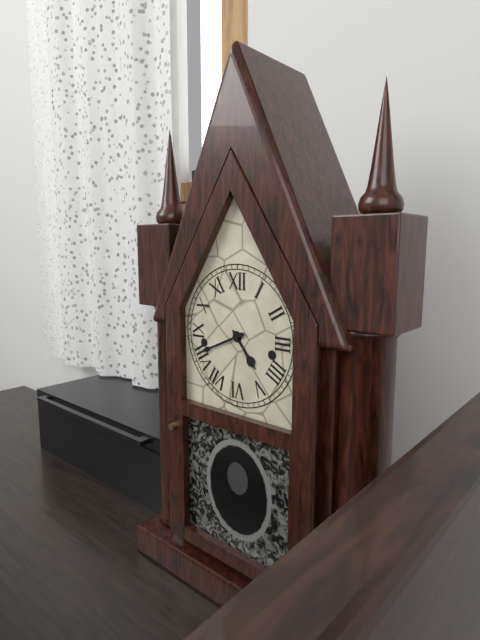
4:41
